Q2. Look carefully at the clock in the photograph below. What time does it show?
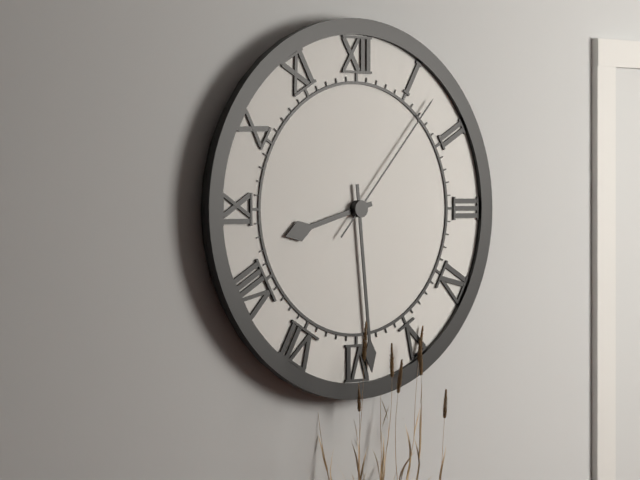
8:29:07
